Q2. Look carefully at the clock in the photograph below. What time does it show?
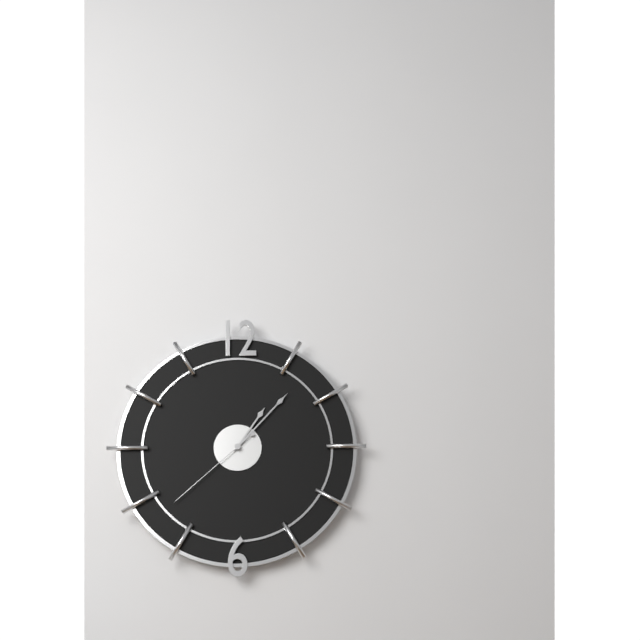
1:07:38
